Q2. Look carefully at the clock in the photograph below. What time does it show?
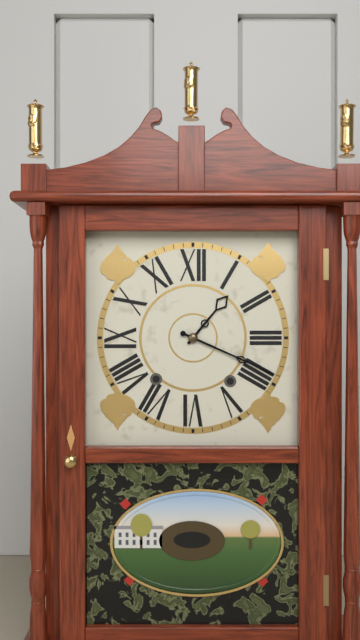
1:19
